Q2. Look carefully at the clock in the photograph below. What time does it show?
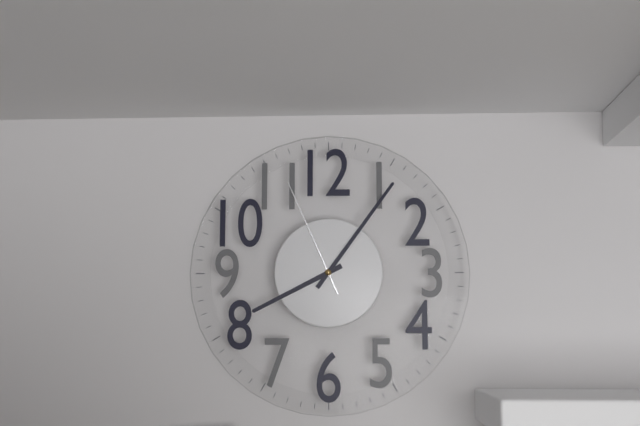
8:06:56
